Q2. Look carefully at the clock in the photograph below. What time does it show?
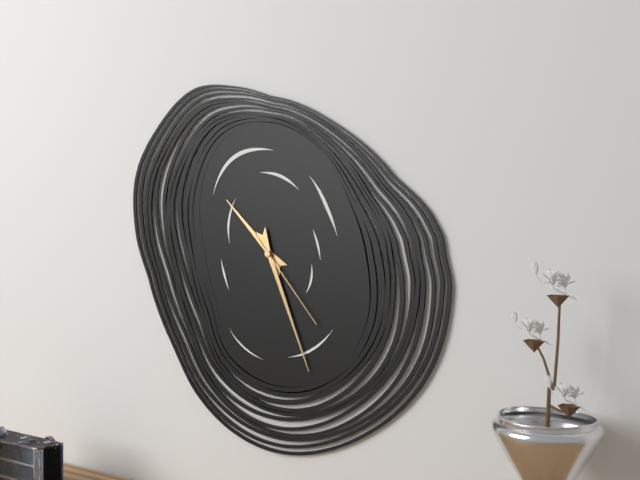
10:26:23
